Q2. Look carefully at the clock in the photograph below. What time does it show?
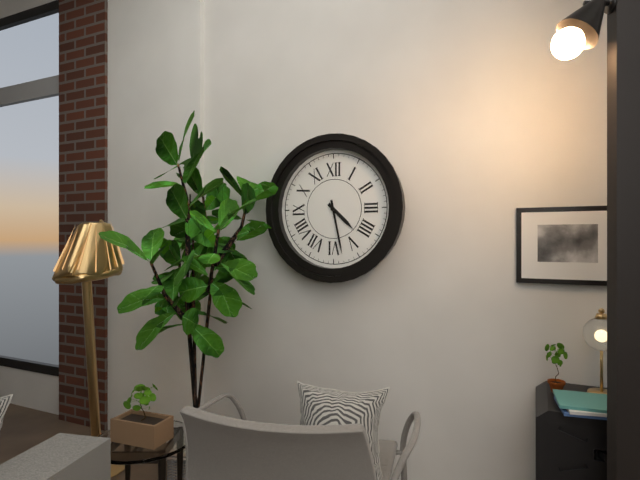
4:28
